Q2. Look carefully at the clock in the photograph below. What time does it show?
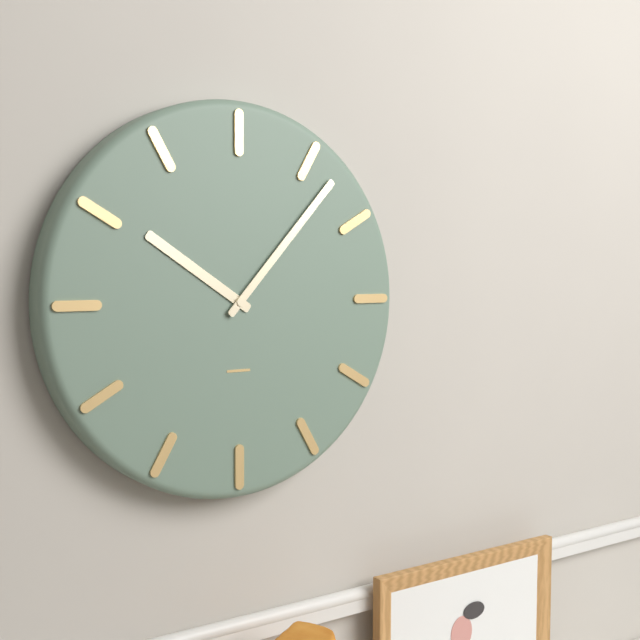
10:07
